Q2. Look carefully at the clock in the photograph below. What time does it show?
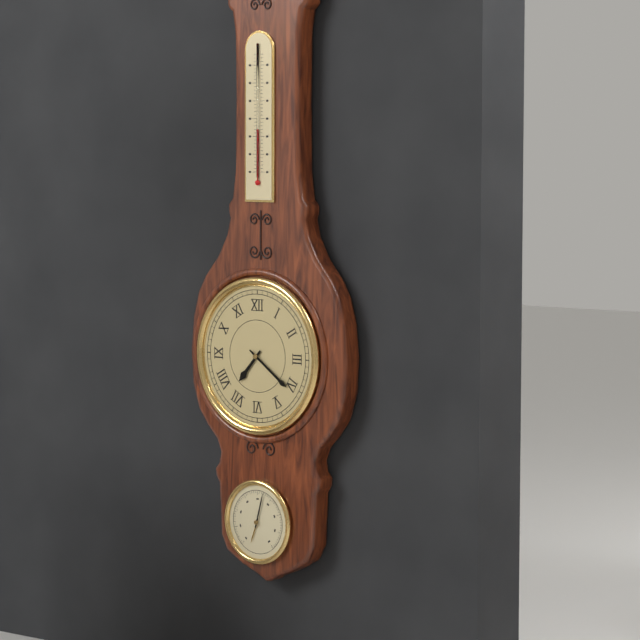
7:21
